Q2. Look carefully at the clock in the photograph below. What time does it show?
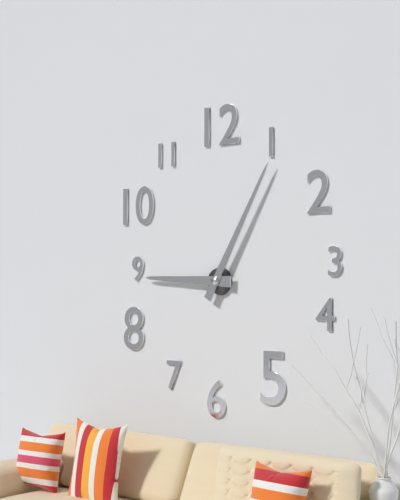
9:05
